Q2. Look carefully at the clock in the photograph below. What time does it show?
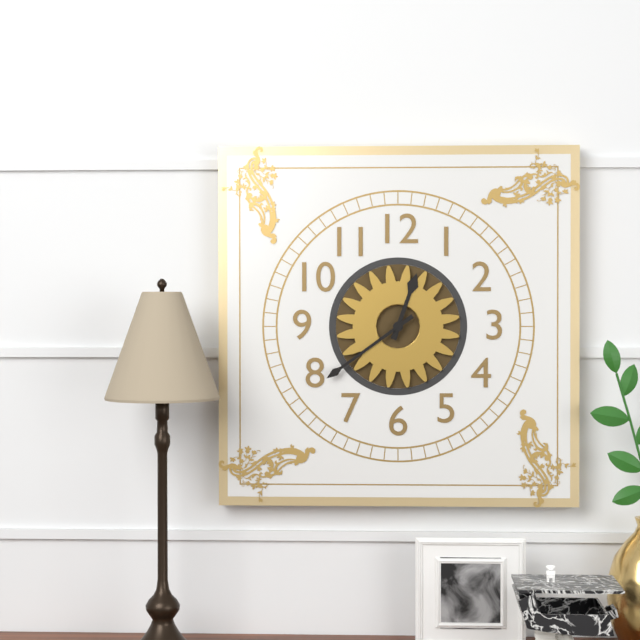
12:39
